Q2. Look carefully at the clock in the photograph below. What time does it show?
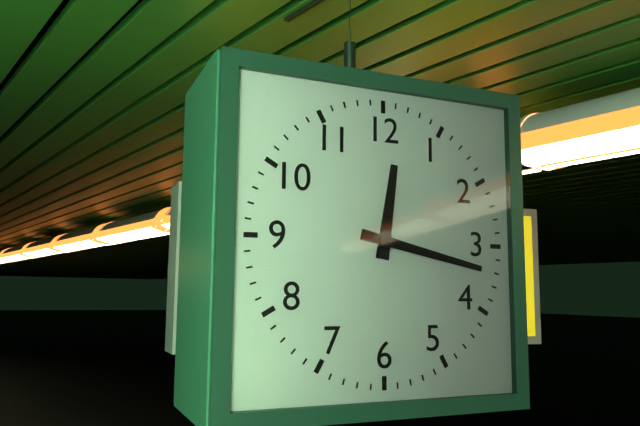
12:17
